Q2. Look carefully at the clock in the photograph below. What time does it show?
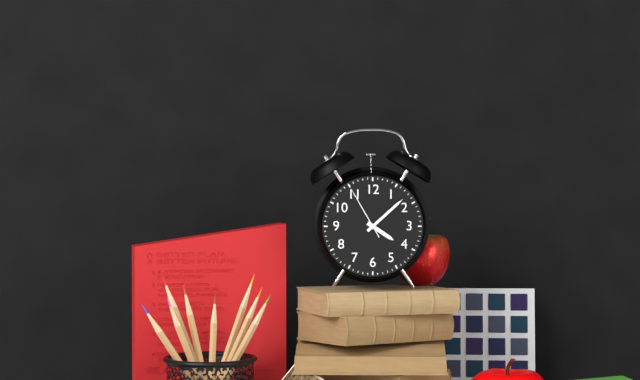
4:08:55
